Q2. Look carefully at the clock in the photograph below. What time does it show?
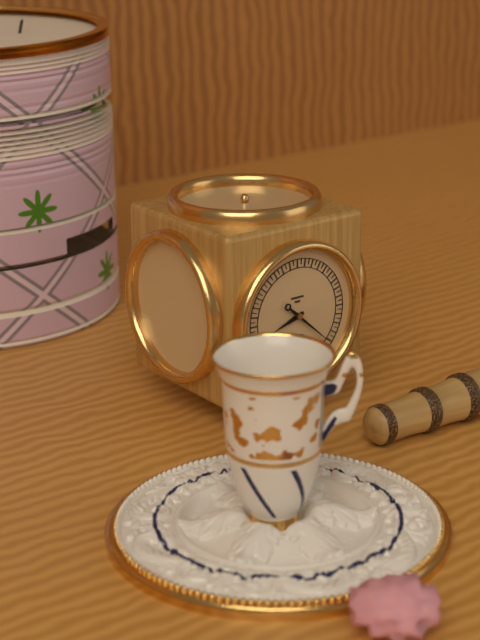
8:22
